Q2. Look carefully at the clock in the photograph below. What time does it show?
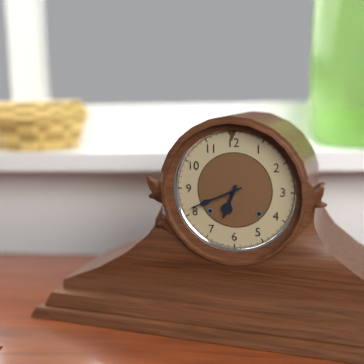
6:41
